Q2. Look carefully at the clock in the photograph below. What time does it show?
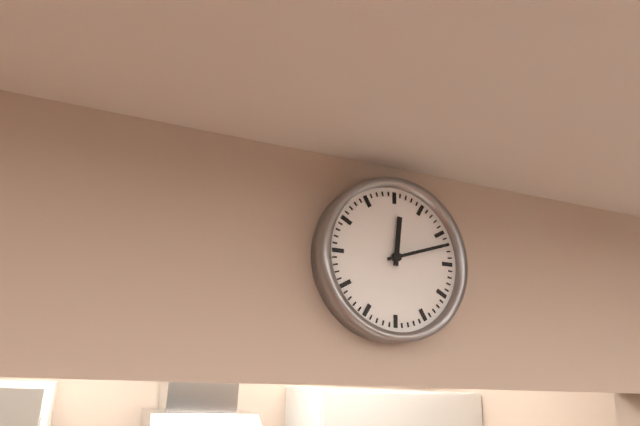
12:12
